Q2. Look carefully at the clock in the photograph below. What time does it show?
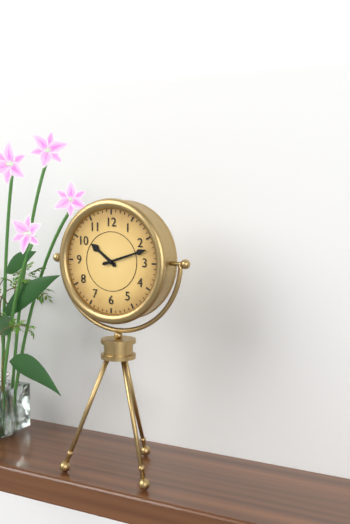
10:12
